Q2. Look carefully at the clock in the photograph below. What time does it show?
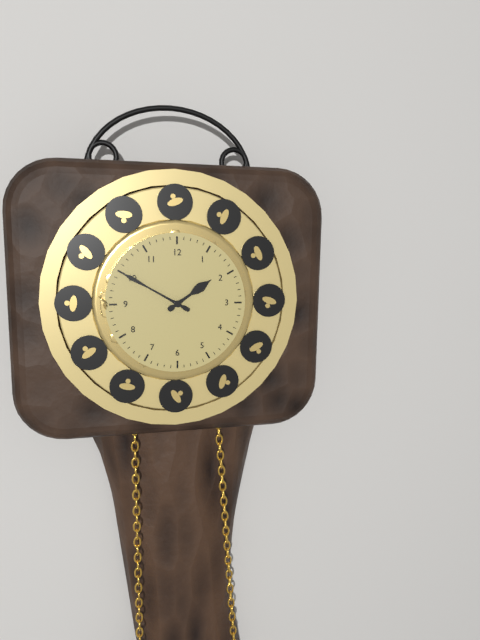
1:50
